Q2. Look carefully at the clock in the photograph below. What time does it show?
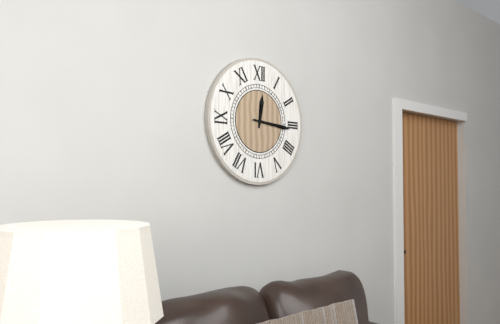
12:16
